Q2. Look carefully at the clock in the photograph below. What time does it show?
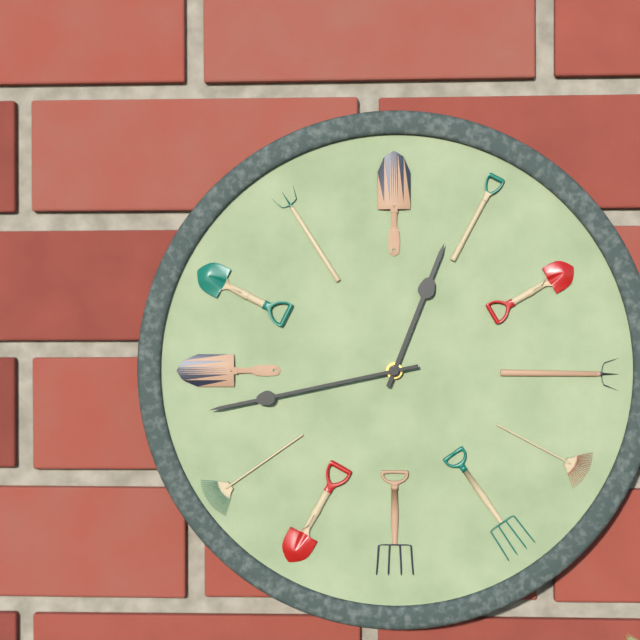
12:43
